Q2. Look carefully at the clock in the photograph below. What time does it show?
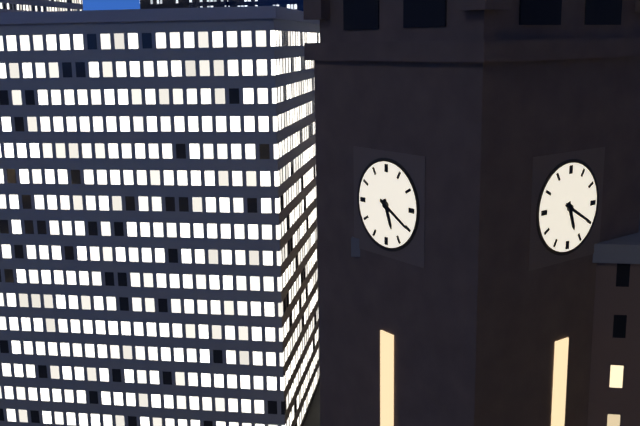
5:20
